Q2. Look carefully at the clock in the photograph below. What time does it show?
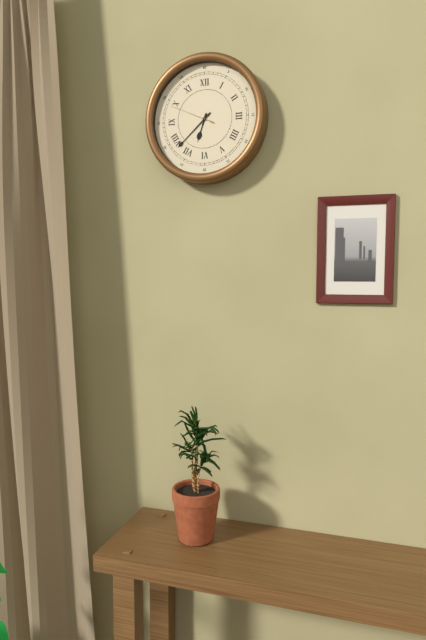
6:38
